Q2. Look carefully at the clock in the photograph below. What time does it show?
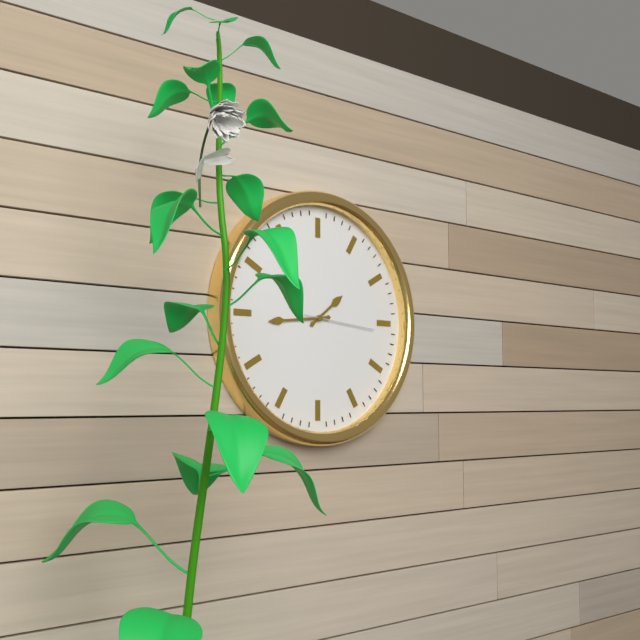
1:44:16
